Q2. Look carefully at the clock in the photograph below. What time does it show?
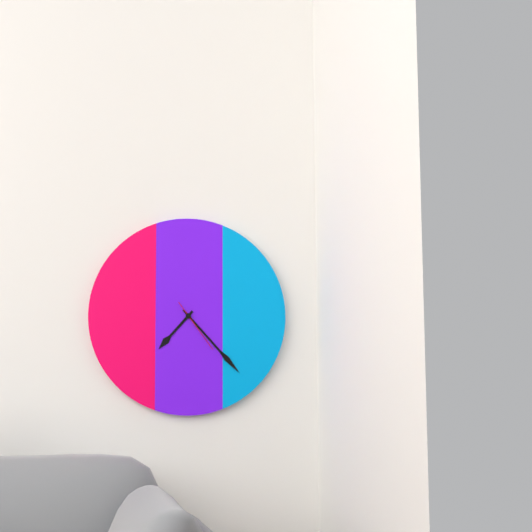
7:23:24
